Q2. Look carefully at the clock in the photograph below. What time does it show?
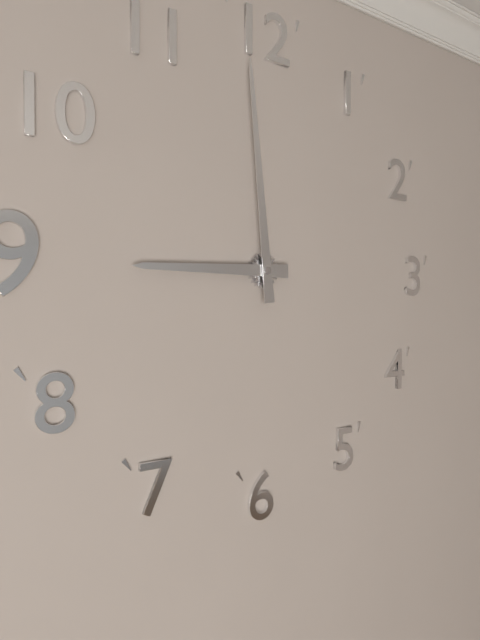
8:59
